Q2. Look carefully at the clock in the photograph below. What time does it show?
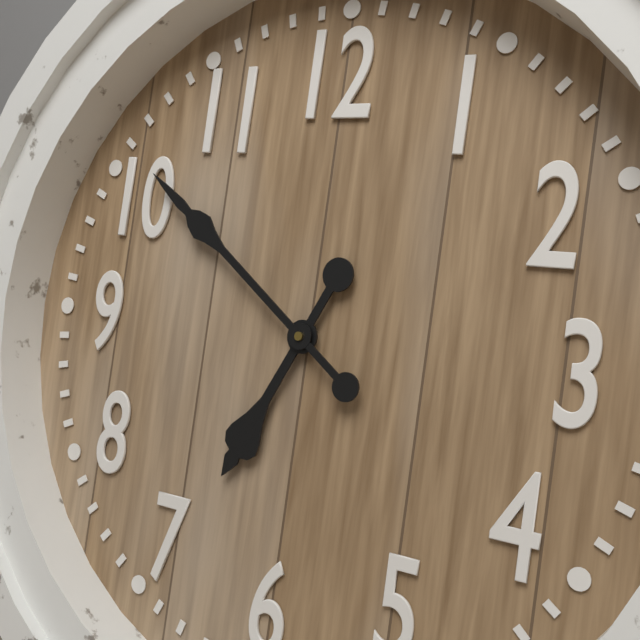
6:51
